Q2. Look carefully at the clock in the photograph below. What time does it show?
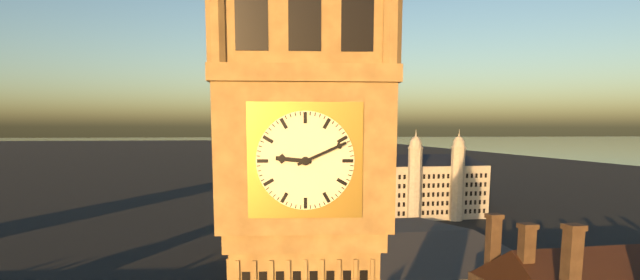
9:11
